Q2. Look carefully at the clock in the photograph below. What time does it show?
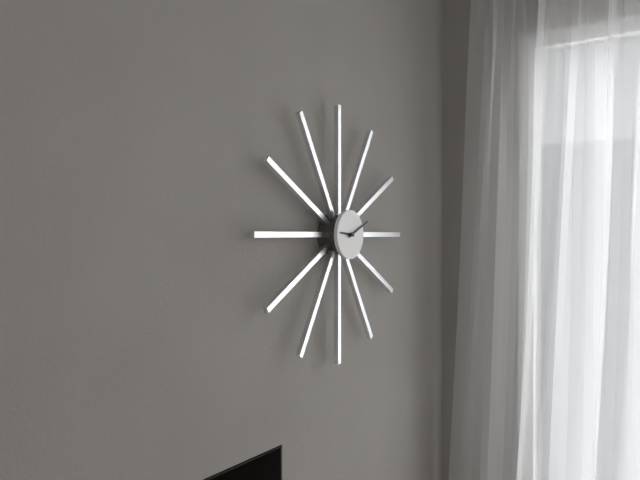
9:11
